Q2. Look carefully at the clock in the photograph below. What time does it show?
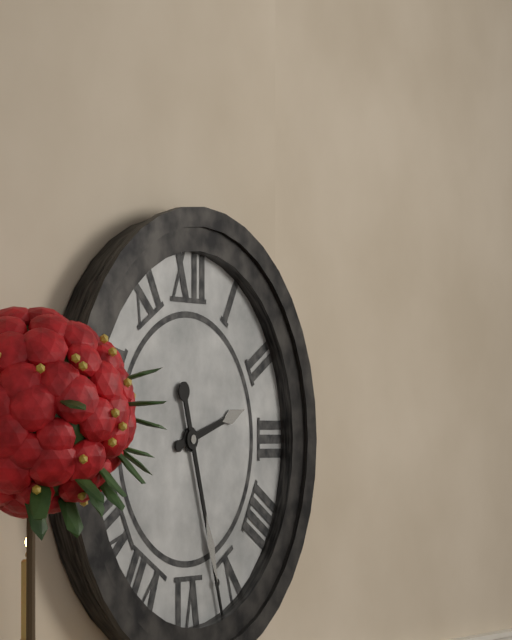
2:27
